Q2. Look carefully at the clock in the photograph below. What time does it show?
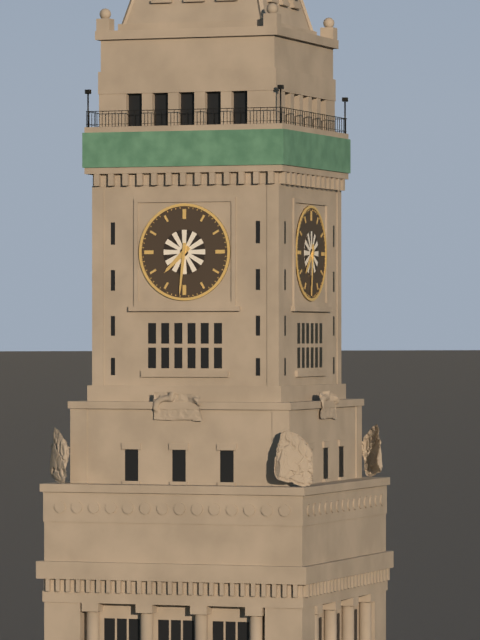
7:31
